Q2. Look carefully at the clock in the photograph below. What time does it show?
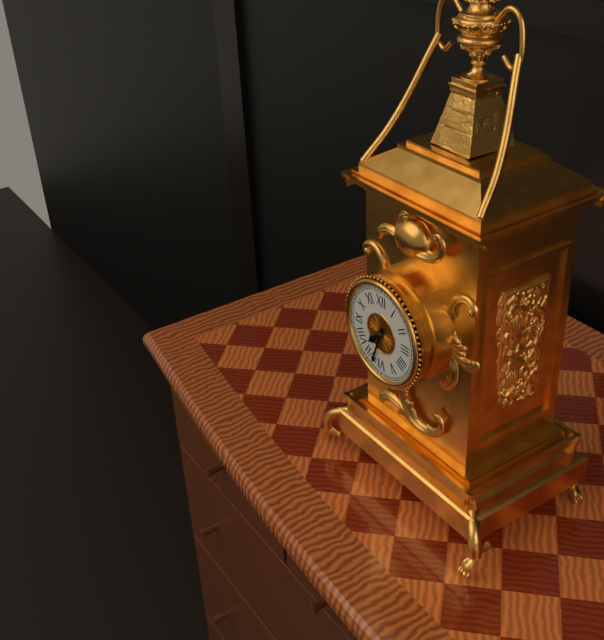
7:33
